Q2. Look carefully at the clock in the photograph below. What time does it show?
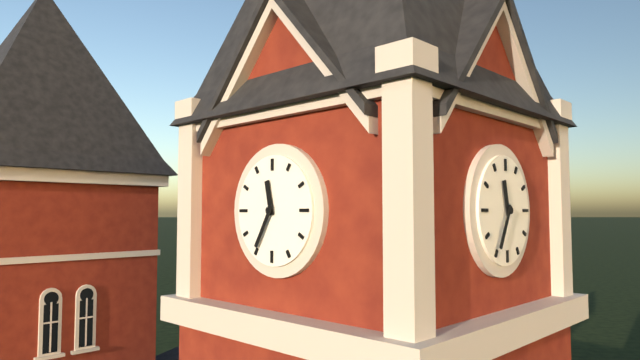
11:35
